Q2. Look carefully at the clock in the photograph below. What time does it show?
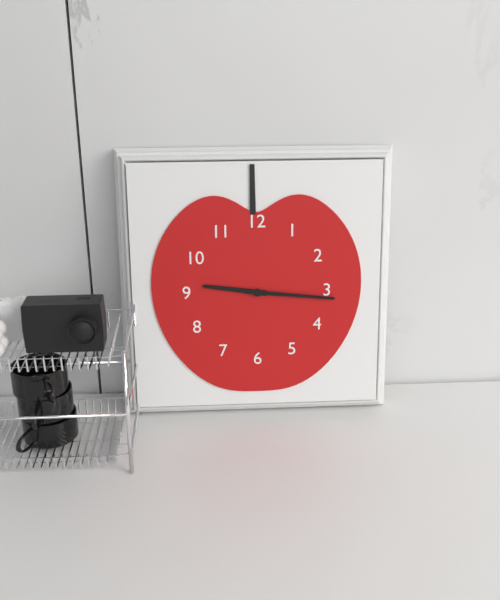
9:16
